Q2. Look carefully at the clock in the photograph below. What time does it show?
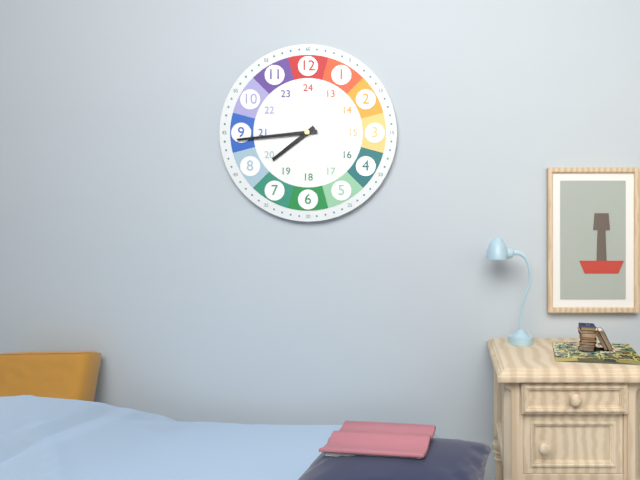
7:44
